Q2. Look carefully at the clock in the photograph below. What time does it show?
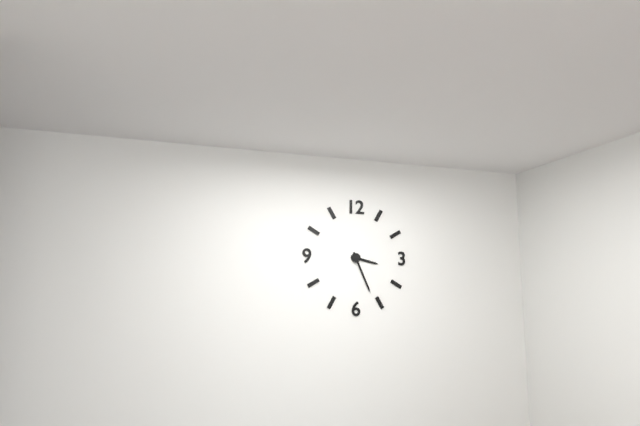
3:26
